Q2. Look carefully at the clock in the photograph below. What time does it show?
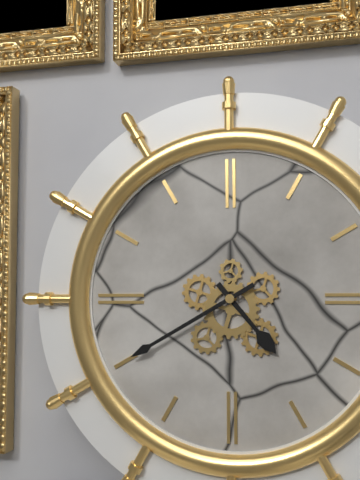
4:40
